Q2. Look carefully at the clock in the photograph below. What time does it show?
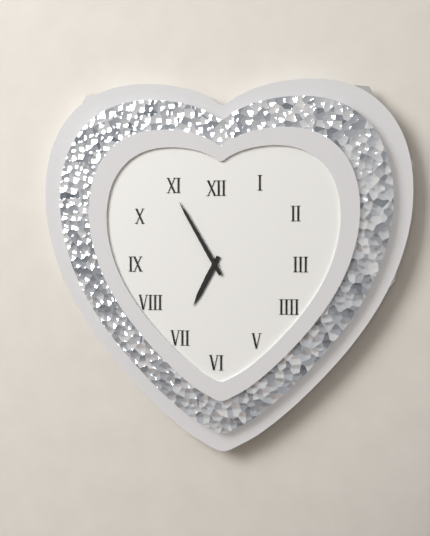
6:55
